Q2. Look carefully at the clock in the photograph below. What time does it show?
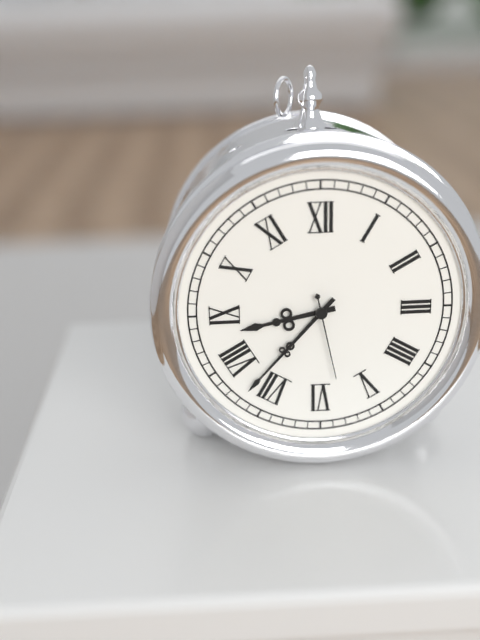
8:37:28
